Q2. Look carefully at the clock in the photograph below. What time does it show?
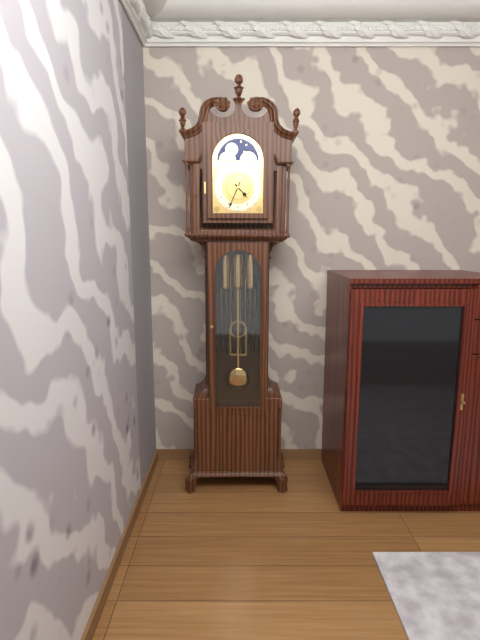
4:34
